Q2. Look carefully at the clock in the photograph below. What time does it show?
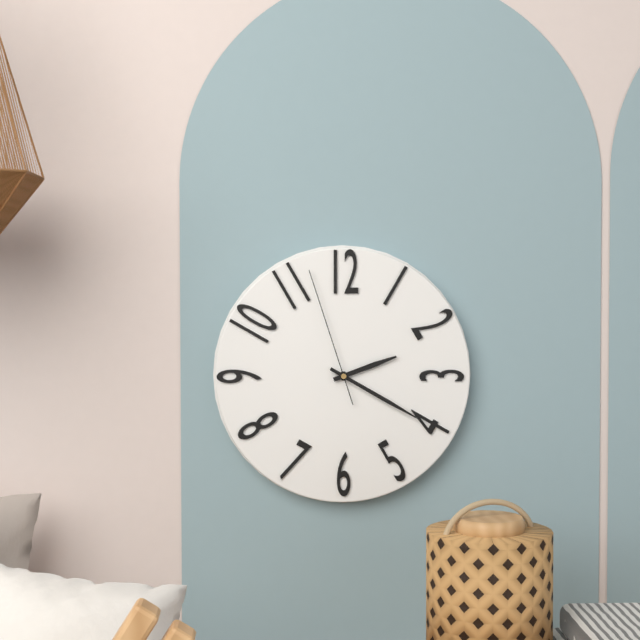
2:20:57
